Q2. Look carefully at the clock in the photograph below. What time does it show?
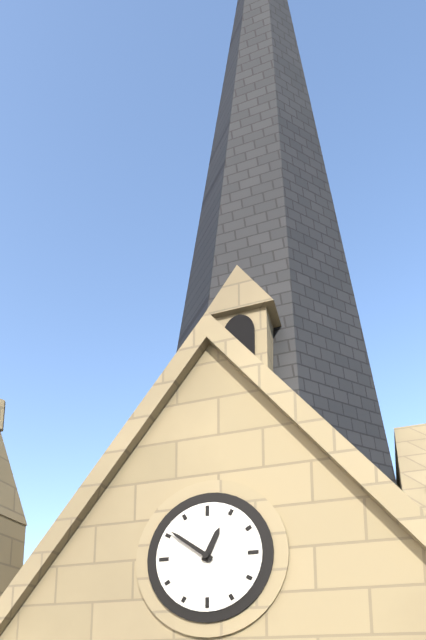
12:51
